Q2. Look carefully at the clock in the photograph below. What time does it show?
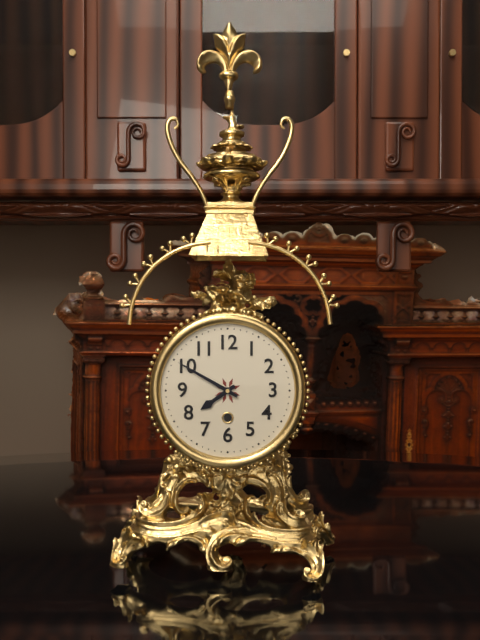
7:50
